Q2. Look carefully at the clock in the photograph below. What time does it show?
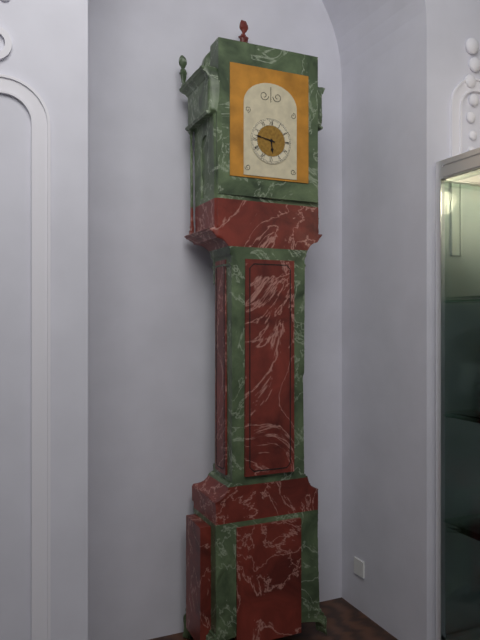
5:47
